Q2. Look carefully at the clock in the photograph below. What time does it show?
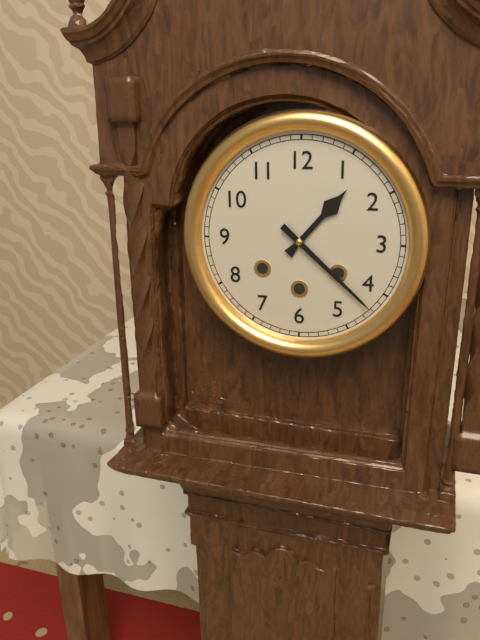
1:22
